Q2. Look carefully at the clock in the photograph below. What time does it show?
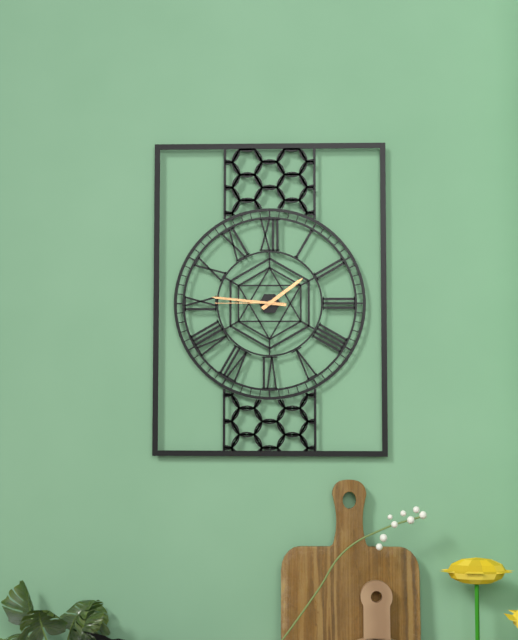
1:46:45
